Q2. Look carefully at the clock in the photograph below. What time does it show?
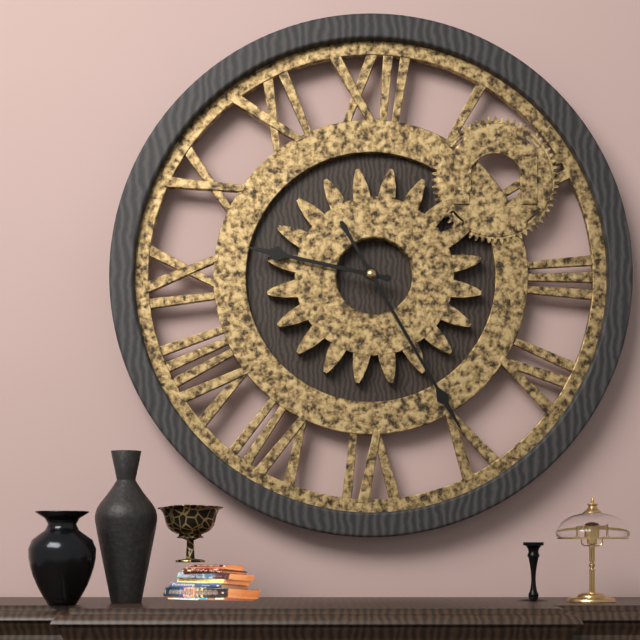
9:25
